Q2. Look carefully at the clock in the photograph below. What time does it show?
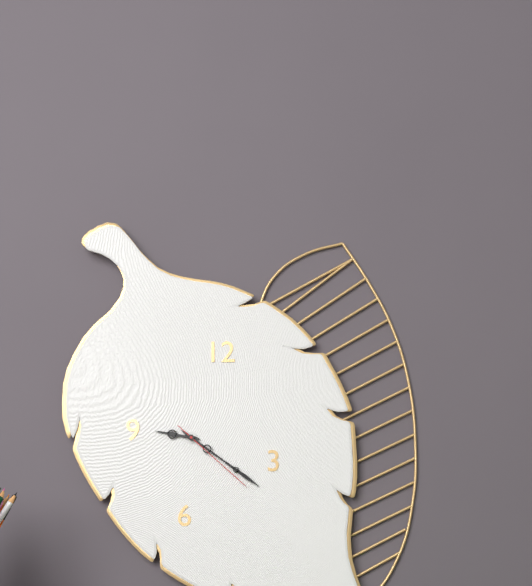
9:21:22
